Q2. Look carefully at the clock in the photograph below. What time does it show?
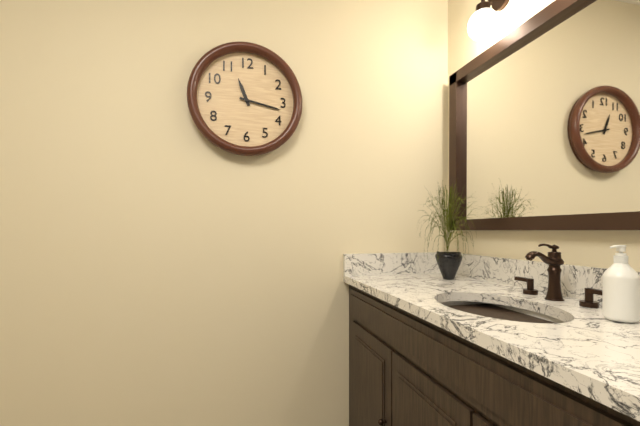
11:17
